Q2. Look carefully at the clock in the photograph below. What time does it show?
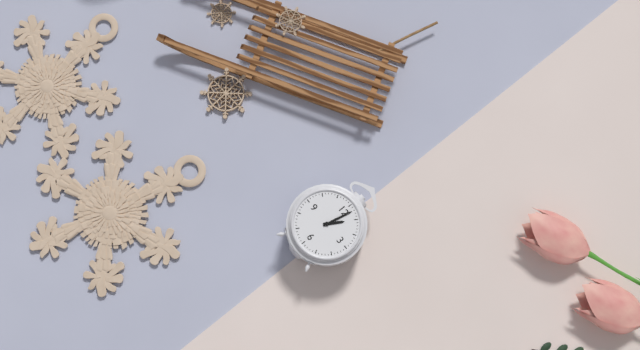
1:02
